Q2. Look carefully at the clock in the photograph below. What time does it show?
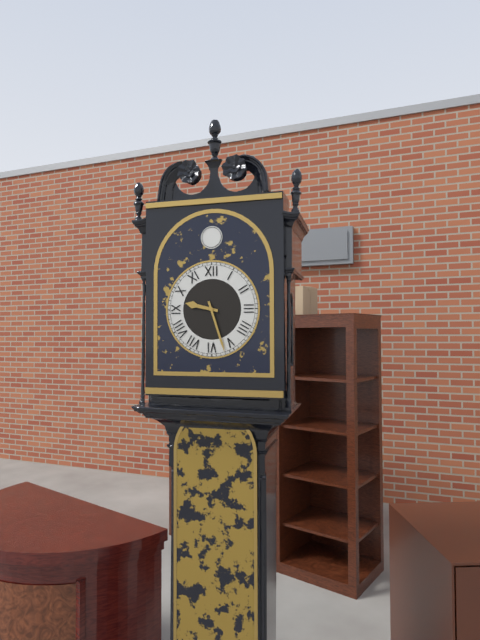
9:27
